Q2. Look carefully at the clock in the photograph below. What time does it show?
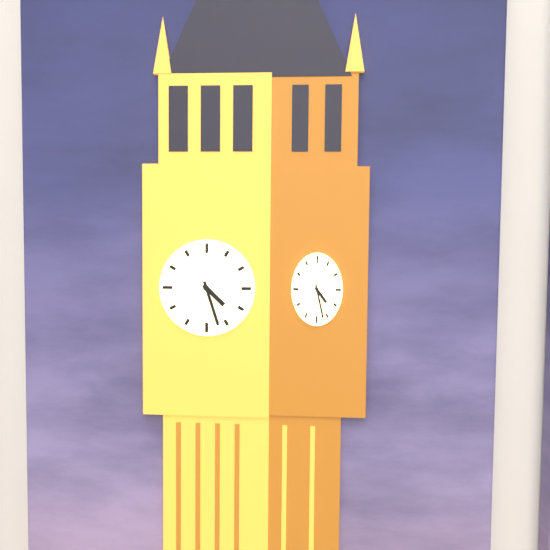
4:27
